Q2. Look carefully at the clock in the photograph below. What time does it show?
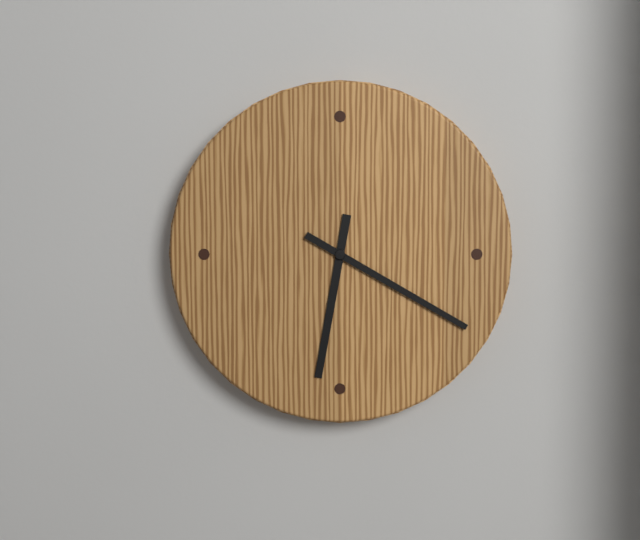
6:20
